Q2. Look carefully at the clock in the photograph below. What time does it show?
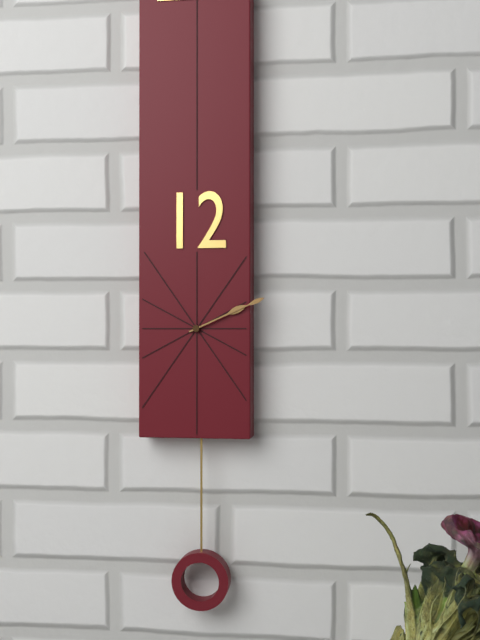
2:11
